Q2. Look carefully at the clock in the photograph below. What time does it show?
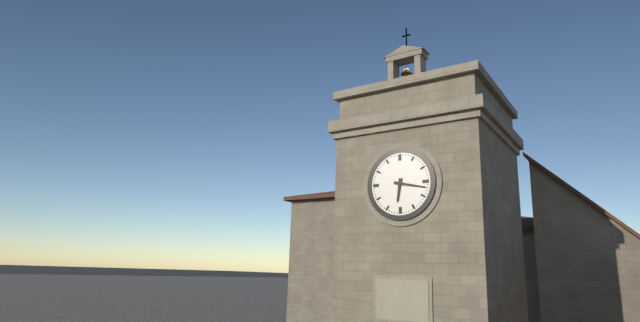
6:17
